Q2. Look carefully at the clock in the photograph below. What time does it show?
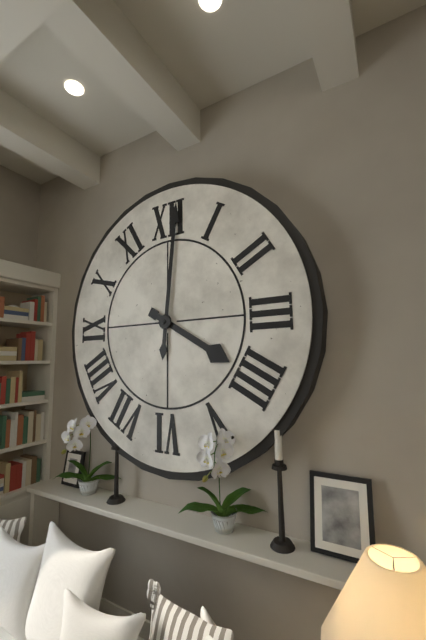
4:01
